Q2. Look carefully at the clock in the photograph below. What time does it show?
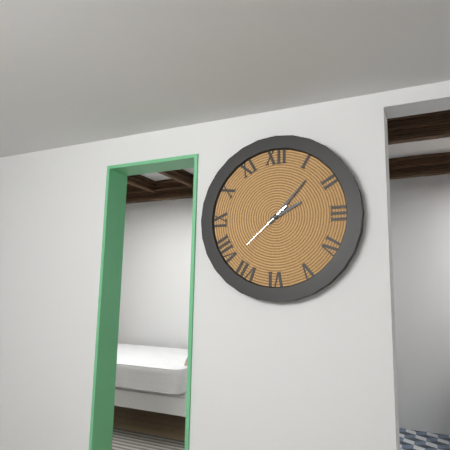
2:07:38
